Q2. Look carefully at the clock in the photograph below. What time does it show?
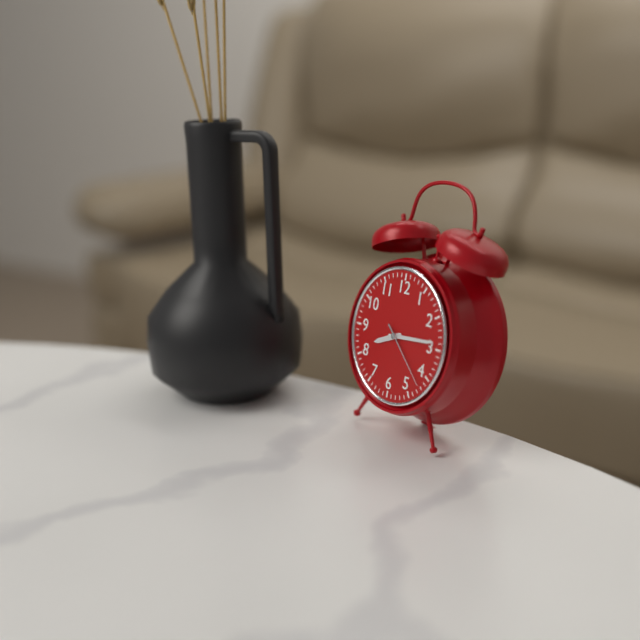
8:14:22
